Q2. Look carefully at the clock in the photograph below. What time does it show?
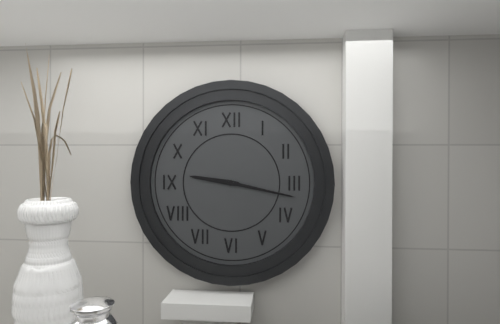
9:17
